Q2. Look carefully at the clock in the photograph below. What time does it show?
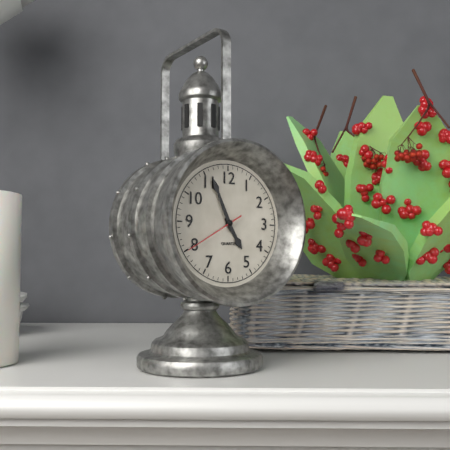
4:56:40
